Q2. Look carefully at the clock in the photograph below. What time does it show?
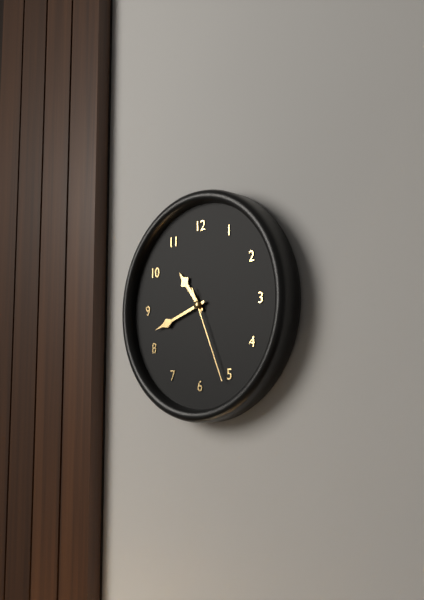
10:42:26
